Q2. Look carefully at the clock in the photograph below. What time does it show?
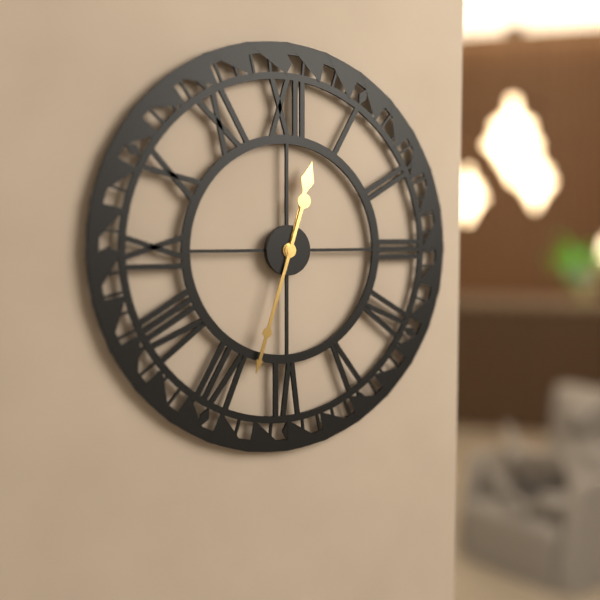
12:33
